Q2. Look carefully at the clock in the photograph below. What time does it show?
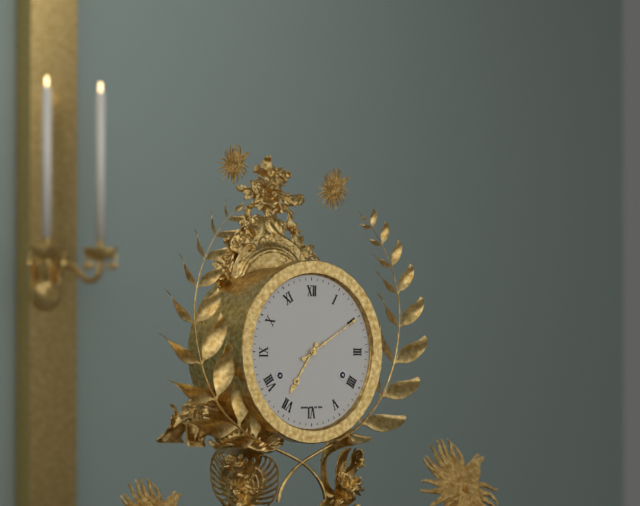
7:10
